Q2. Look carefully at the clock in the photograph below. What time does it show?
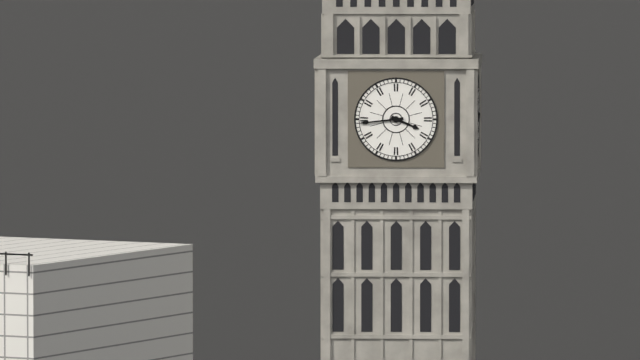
3:44
